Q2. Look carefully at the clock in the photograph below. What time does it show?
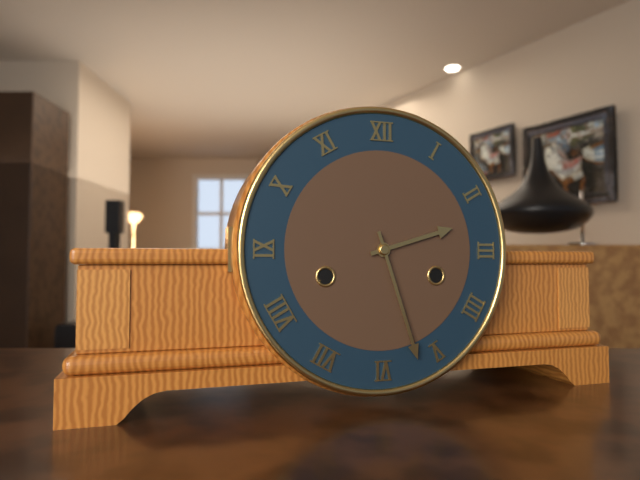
2:27
